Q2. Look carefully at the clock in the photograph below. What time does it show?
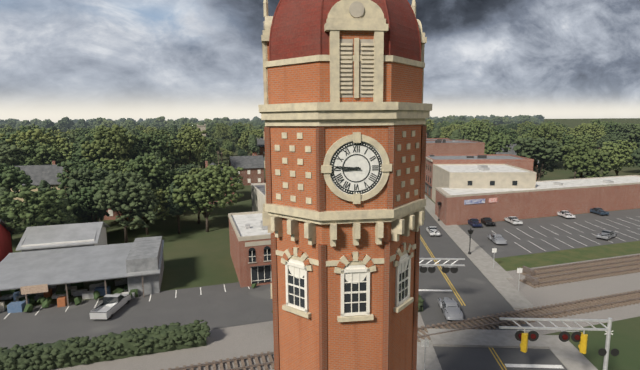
8:46
